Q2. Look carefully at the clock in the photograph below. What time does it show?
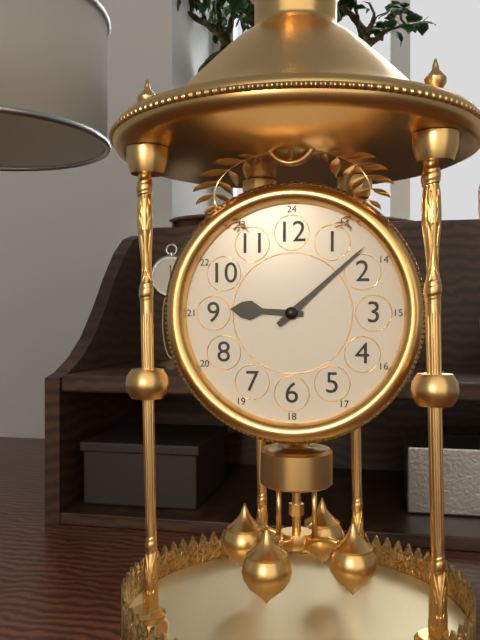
9:08
